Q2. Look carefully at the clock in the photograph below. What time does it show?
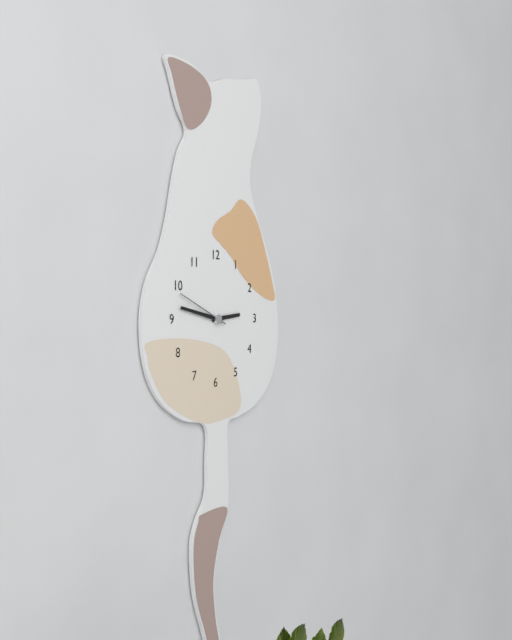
2:47
